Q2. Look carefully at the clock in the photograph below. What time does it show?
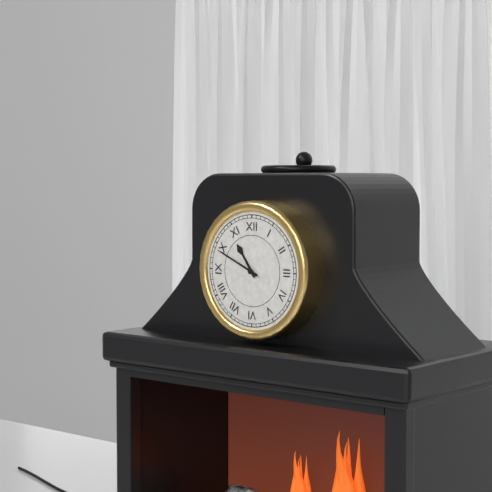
10:49
